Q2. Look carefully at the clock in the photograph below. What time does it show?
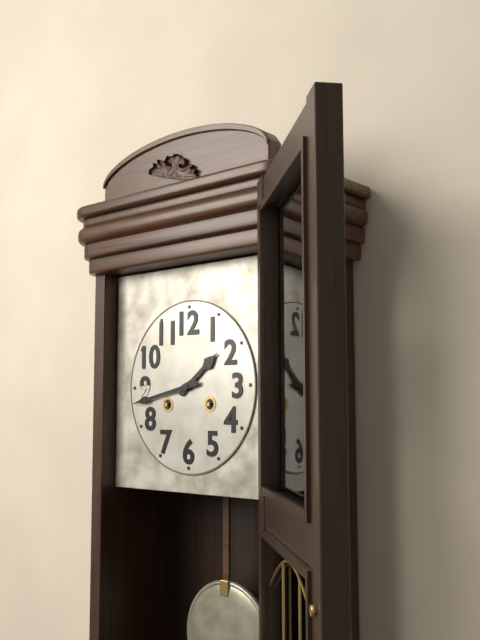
1:43
